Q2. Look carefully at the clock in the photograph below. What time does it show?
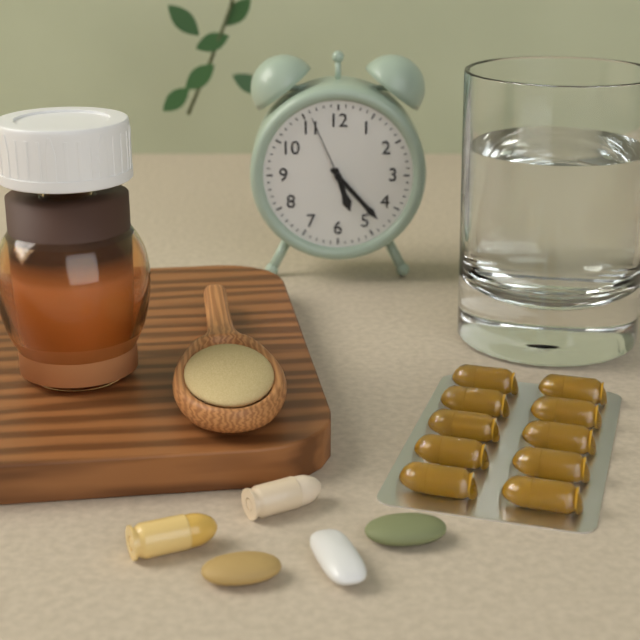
5:23:56
